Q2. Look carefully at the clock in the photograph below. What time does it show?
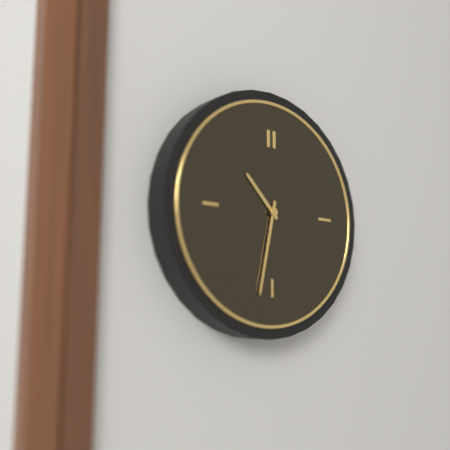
10:32
